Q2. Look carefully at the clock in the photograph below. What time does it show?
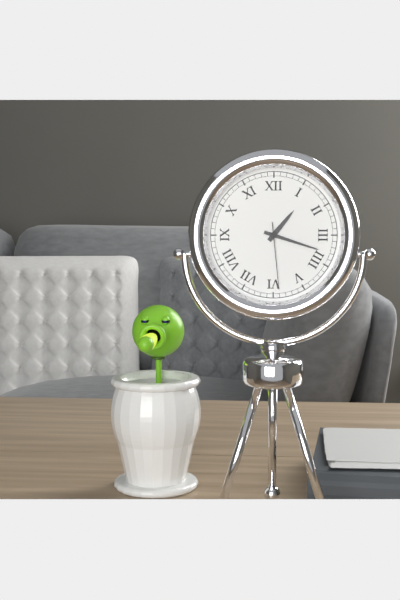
1:18:29
